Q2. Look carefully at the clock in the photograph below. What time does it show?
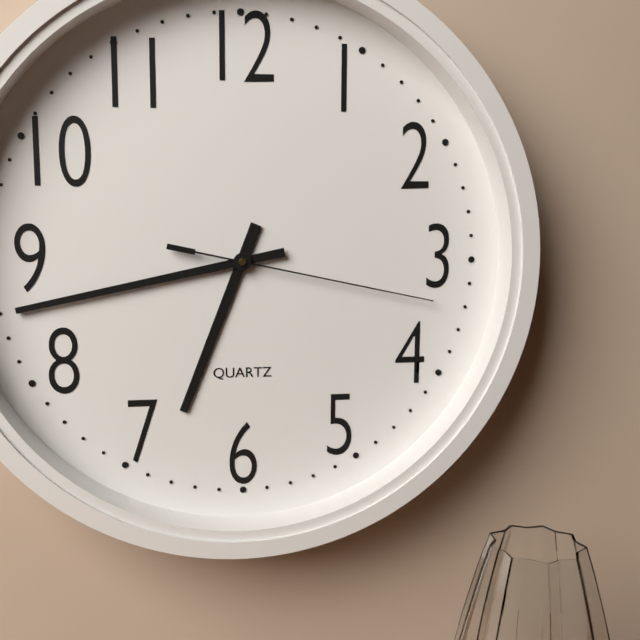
6:43:17
